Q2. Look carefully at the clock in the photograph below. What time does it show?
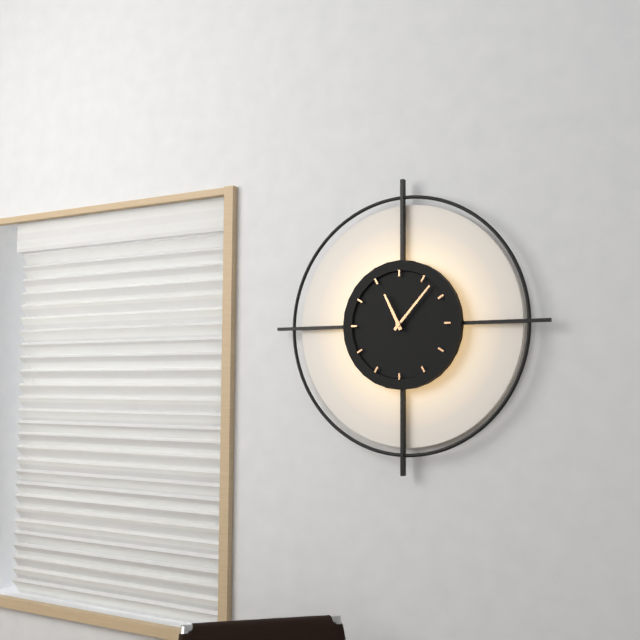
11:07
